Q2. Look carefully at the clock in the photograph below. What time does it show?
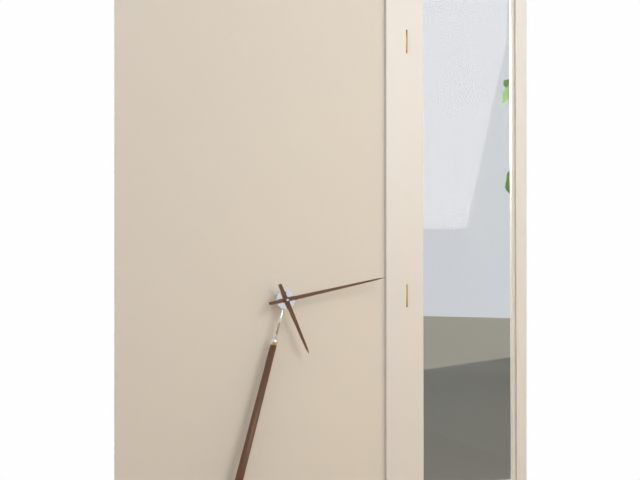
5:13
